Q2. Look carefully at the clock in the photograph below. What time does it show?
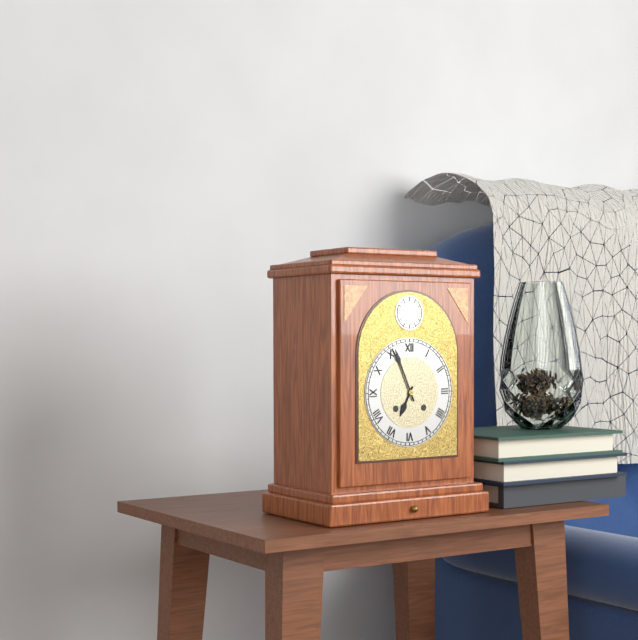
6:56
